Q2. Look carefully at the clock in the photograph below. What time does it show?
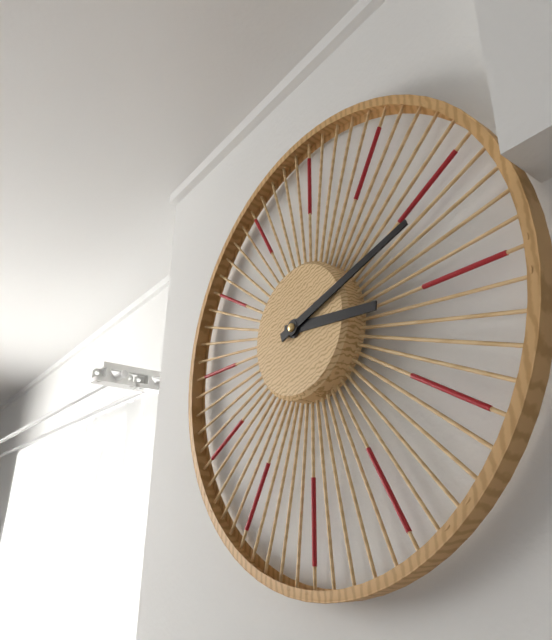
3:12
